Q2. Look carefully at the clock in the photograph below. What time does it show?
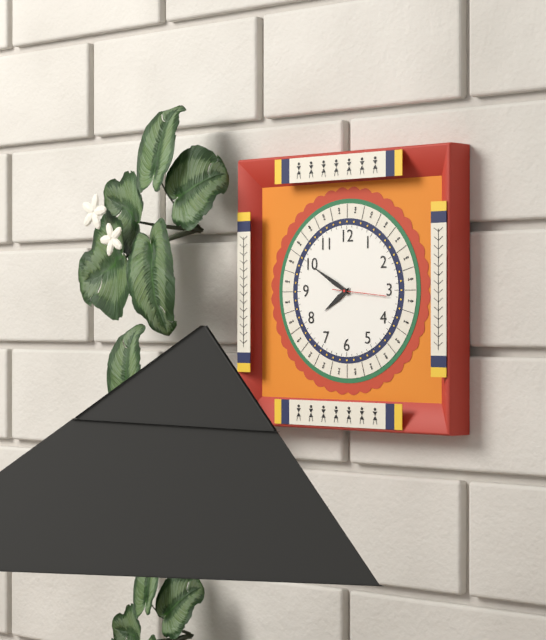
7:50:16
